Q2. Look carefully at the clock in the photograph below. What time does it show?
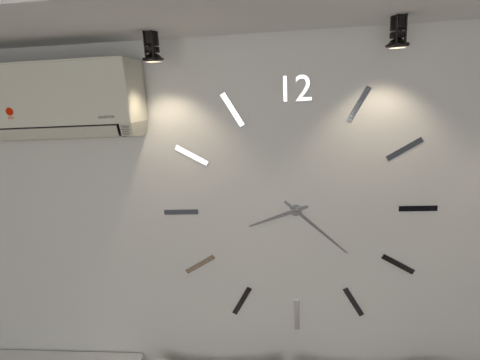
8:22
